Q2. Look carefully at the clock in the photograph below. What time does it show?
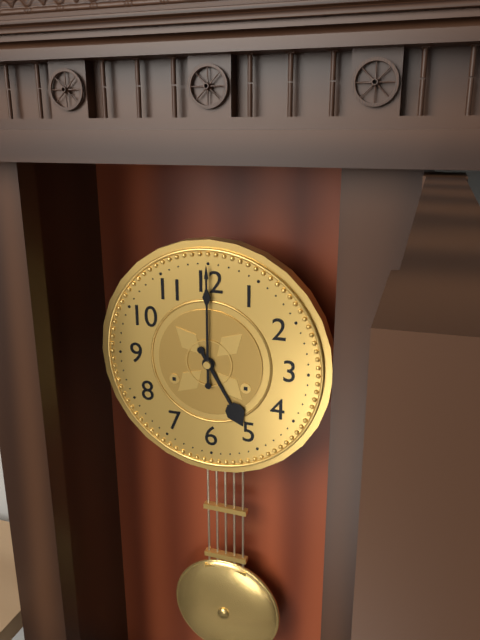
5:00
